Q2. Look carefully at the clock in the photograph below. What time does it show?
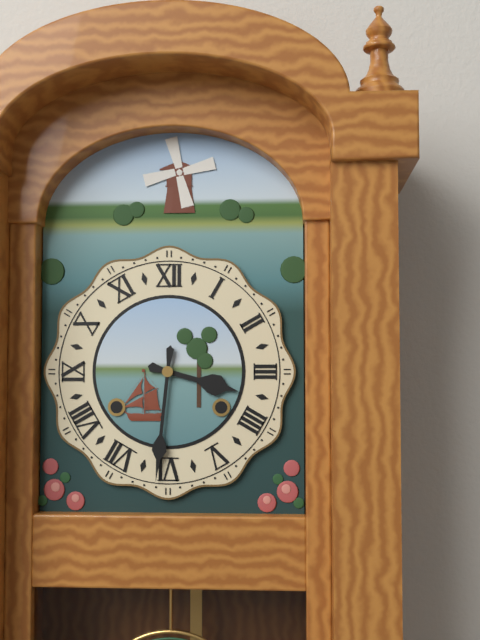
3:31
